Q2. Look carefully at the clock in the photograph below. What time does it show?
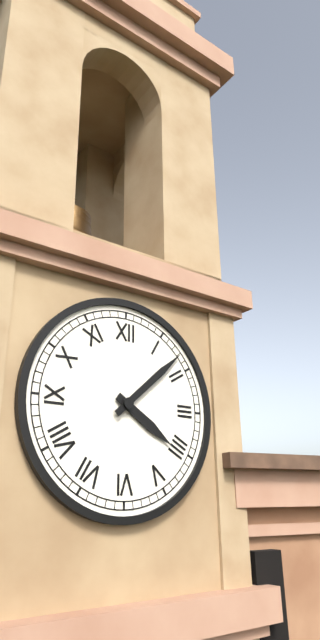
4:08
